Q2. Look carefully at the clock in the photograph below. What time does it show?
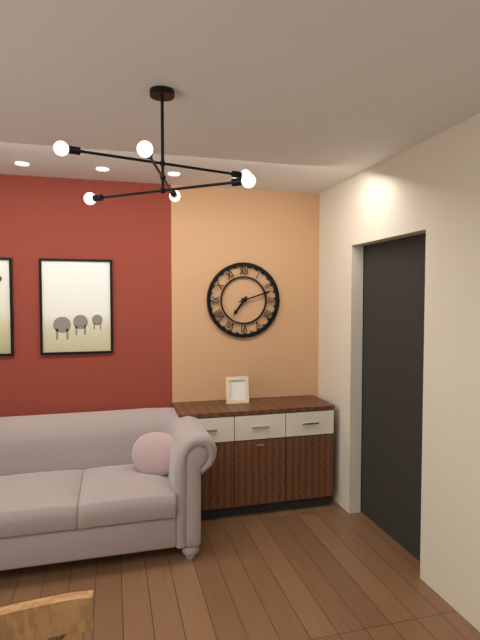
7:12
